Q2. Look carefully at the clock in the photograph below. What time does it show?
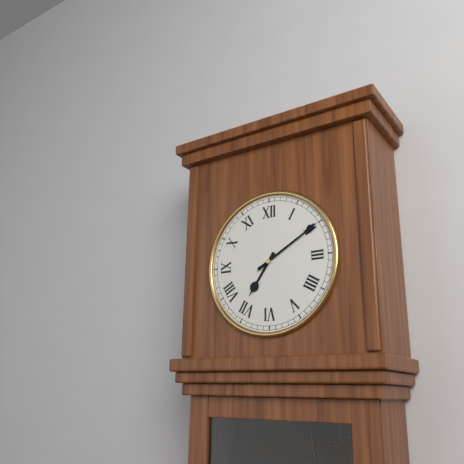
7:10
